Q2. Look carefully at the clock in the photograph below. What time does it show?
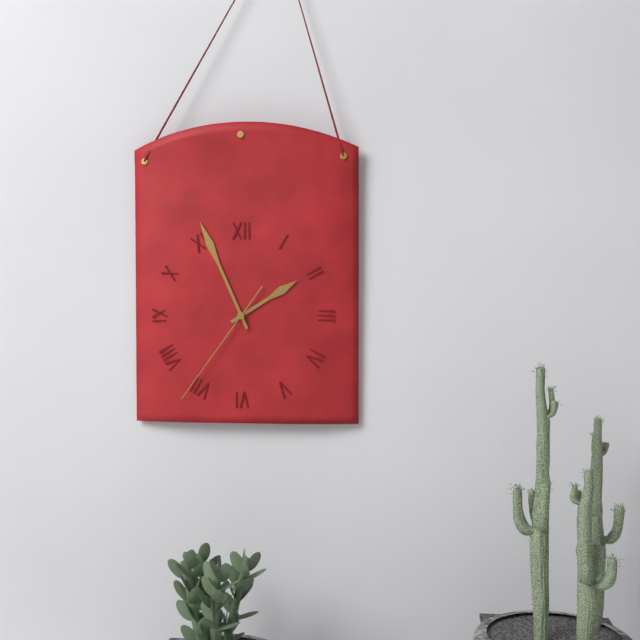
1:56:36
